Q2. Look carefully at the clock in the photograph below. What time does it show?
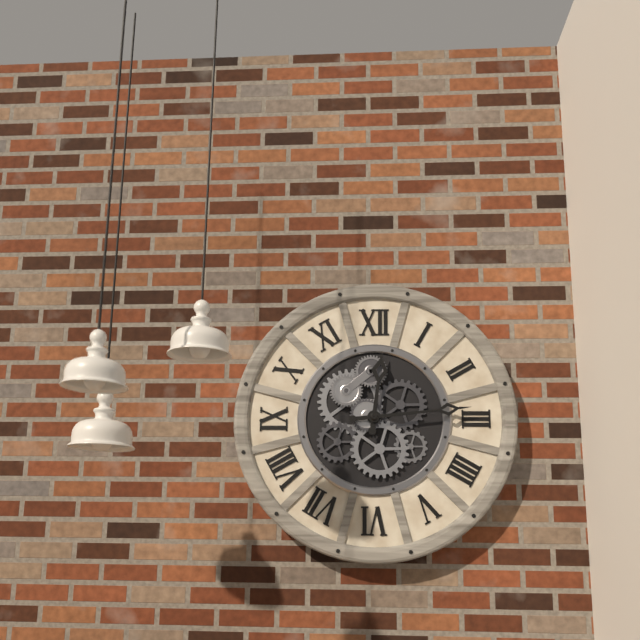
12:14
